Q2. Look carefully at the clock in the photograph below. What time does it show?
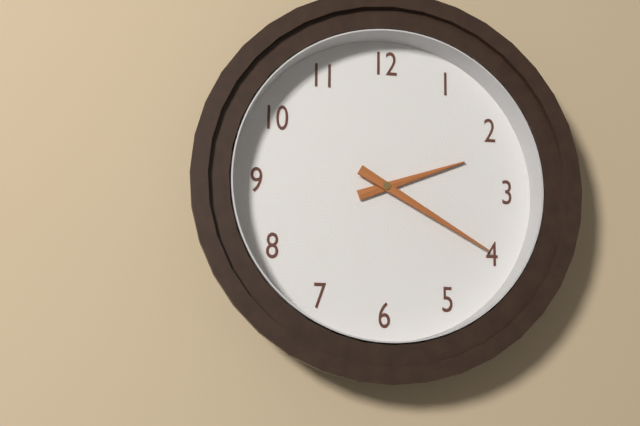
2:20
